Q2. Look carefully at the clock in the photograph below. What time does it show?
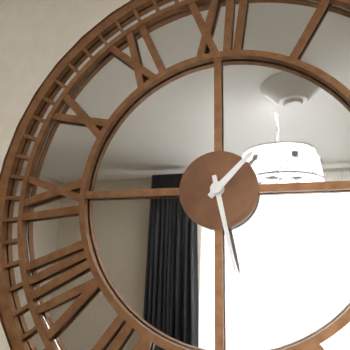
1:28
